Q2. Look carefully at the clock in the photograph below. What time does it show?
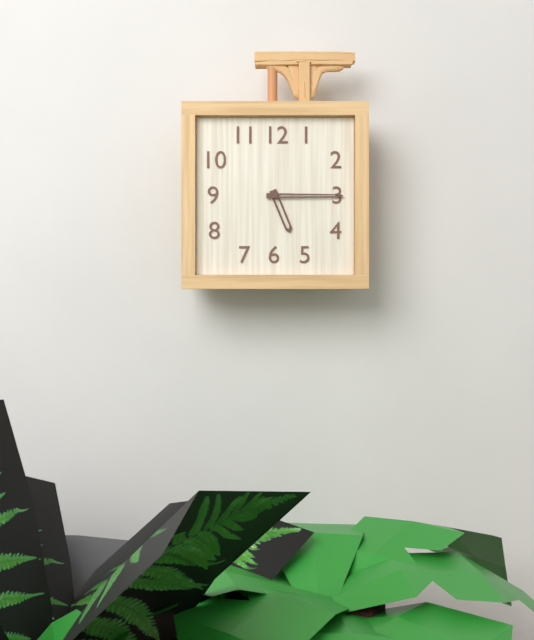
5:15
